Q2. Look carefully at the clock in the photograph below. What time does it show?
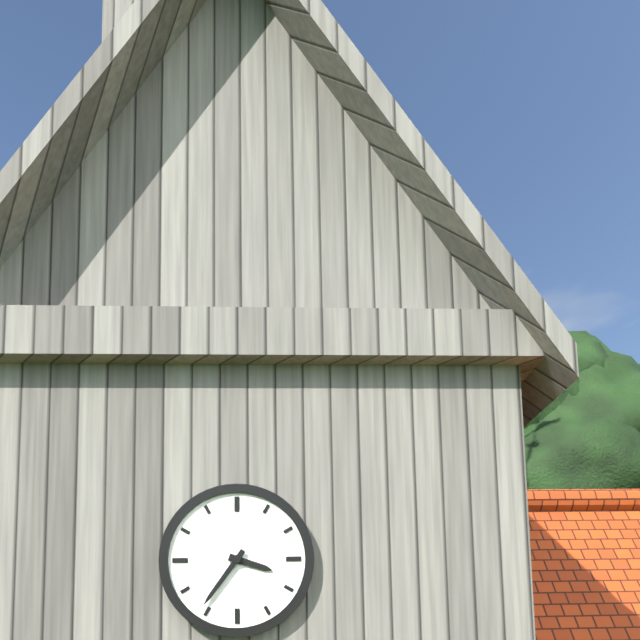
3:36
